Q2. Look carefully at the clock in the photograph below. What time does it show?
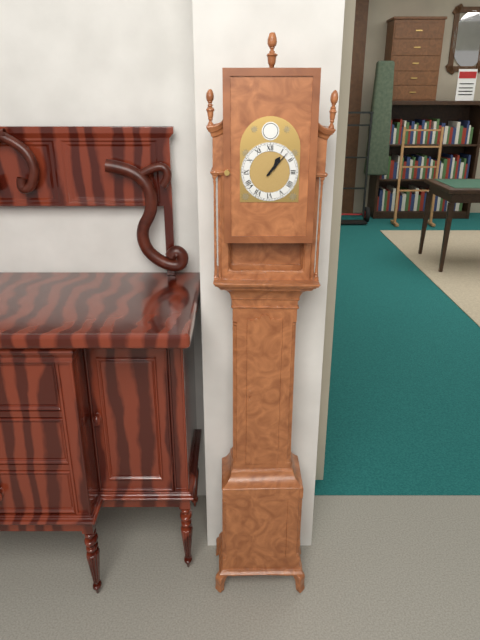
1:07
